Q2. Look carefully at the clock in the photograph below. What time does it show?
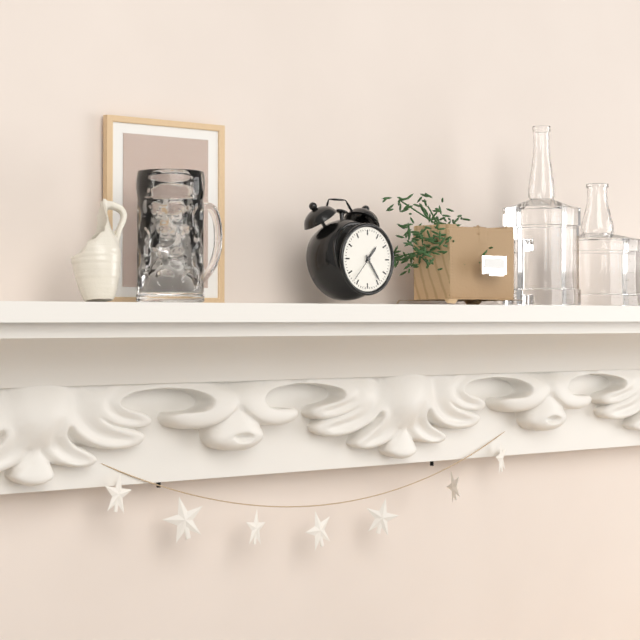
1:24
